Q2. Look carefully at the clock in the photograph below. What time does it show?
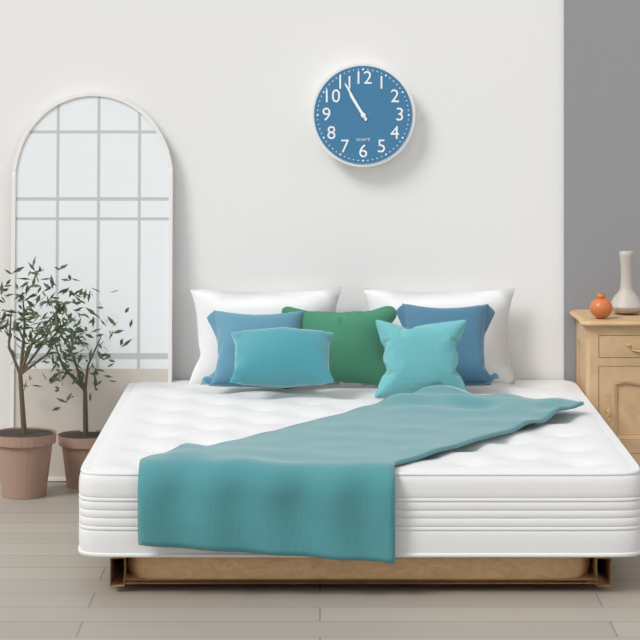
10:55
